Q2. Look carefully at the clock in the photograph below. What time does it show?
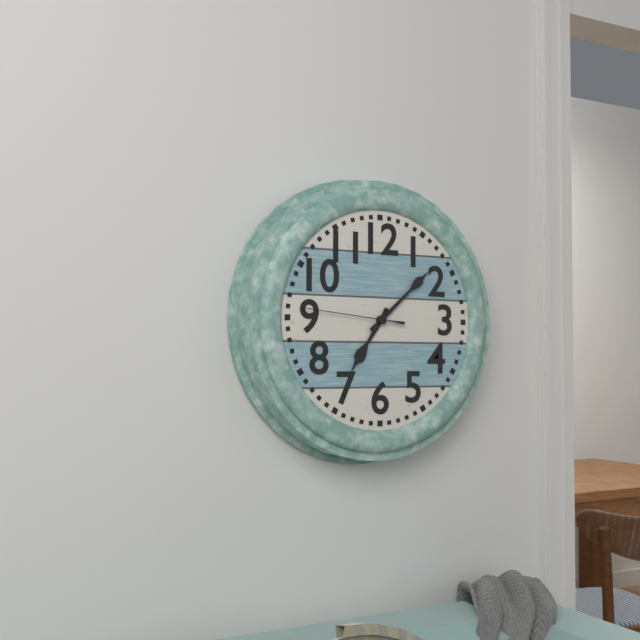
7:08:46
